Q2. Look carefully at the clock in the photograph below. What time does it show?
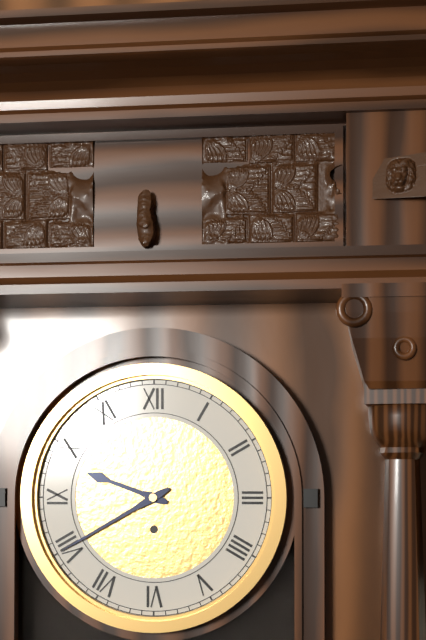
9:40
